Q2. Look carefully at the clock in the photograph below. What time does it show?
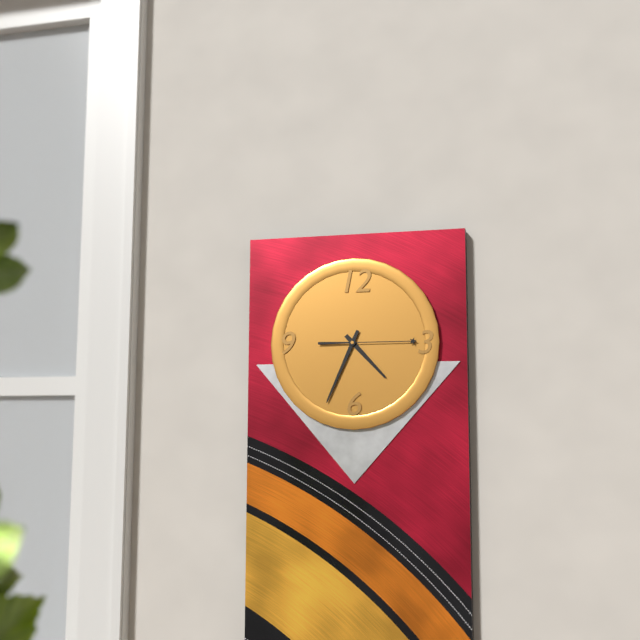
4:34:15
